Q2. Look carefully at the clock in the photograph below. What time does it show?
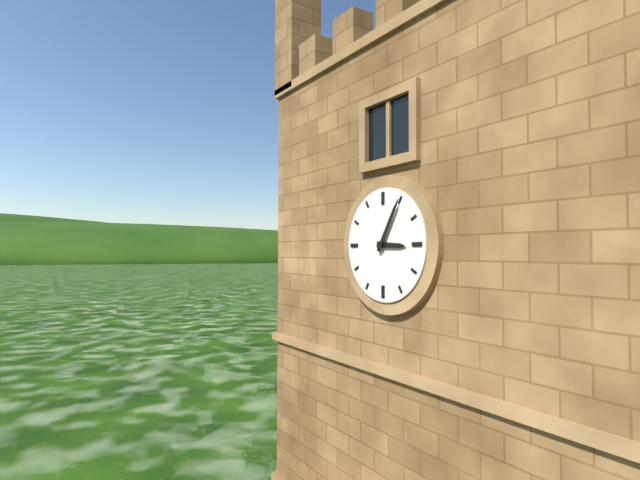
3:05
